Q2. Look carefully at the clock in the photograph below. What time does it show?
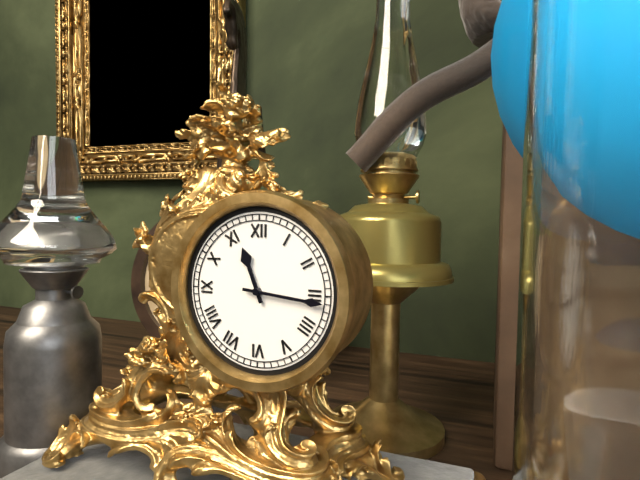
11:16
